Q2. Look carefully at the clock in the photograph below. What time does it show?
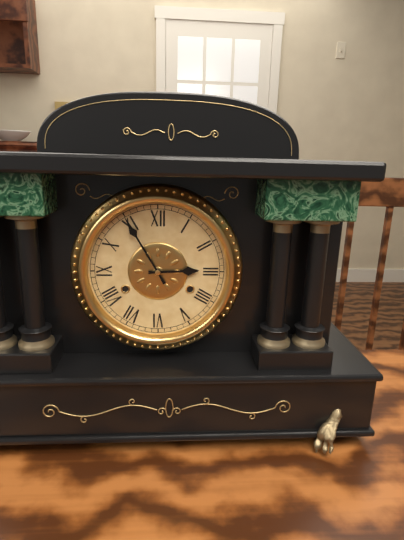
2:55
